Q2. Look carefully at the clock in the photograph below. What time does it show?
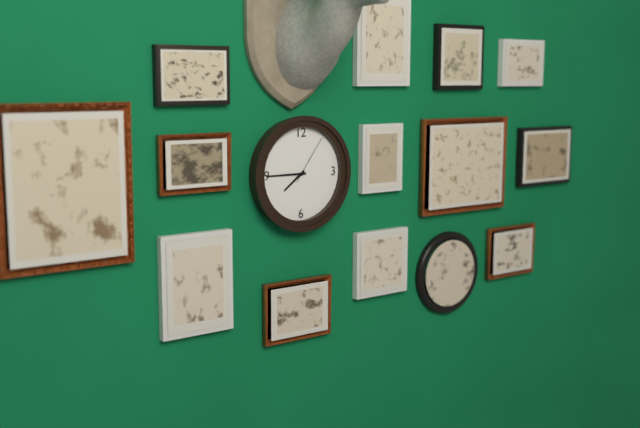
7:45:06
